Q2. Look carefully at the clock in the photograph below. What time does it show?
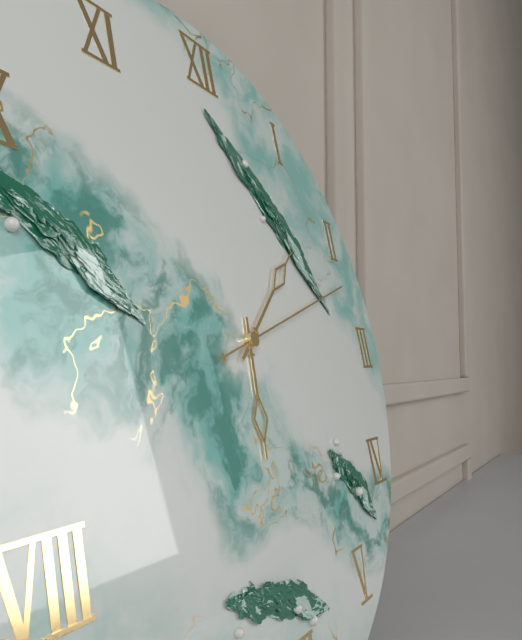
6:08:12
